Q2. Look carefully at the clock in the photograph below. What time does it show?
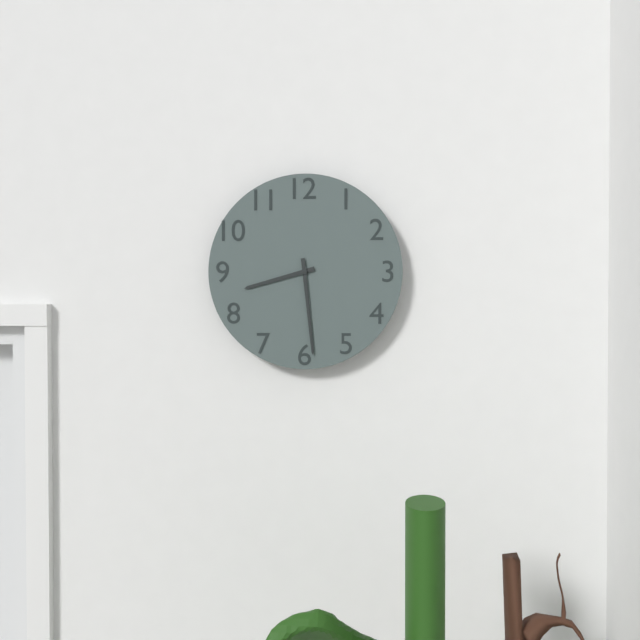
8:29
